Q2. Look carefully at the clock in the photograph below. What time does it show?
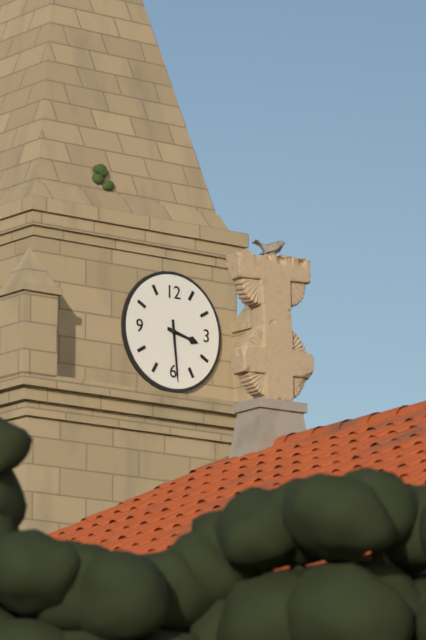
3:29
